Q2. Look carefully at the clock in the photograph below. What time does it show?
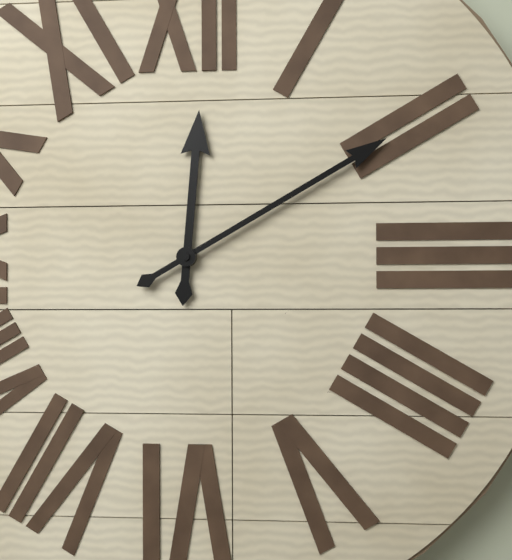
12:10
